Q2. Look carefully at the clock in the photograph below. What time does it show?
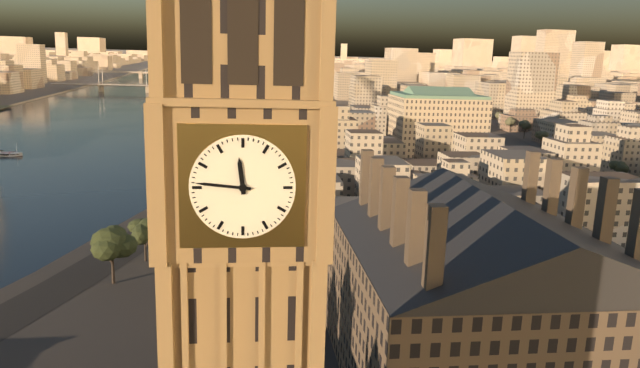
11:46
